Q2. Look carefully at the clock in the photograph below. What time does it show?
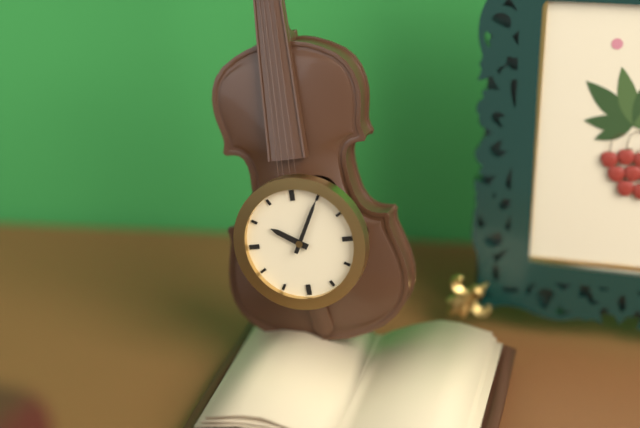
10:05
